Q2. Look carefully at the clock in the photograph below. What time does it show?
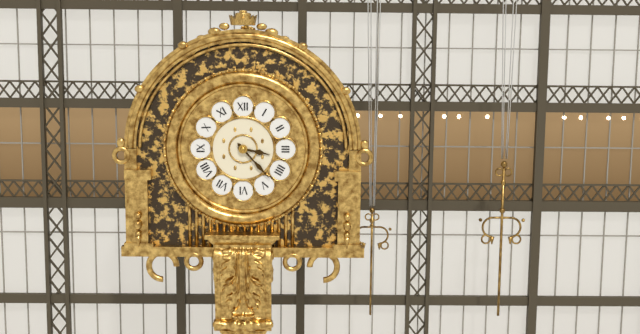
3:23
